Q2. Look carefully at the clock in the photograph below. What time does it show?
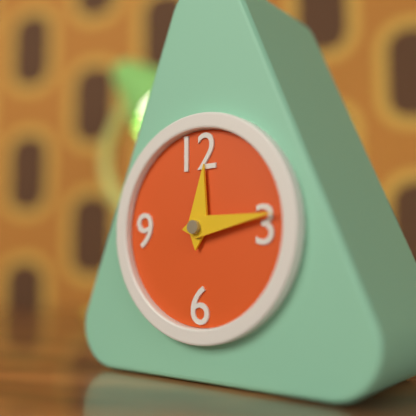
12:14
